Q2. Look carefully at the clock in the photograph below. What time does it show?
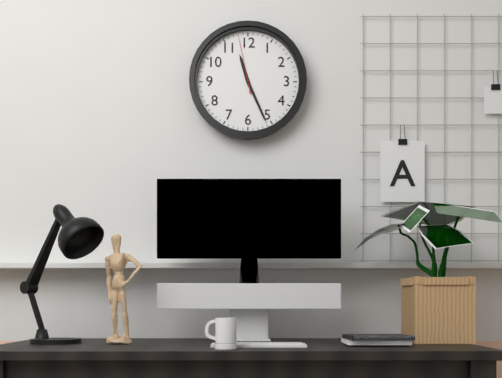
11:26:58
